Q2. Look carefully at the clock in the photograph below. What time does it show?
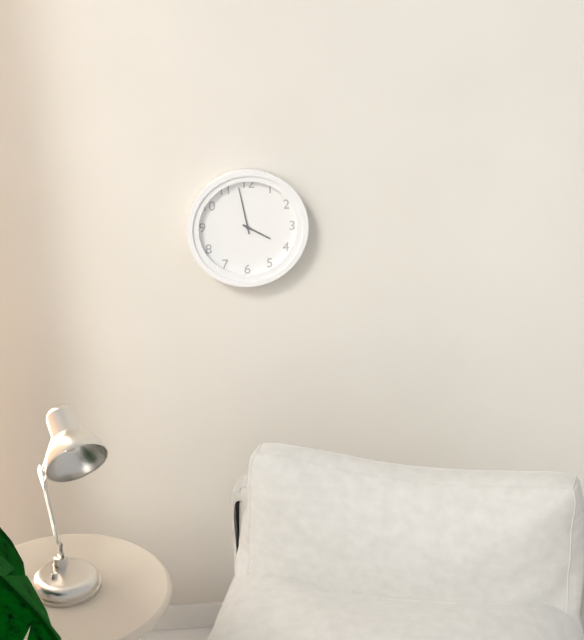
3:58
